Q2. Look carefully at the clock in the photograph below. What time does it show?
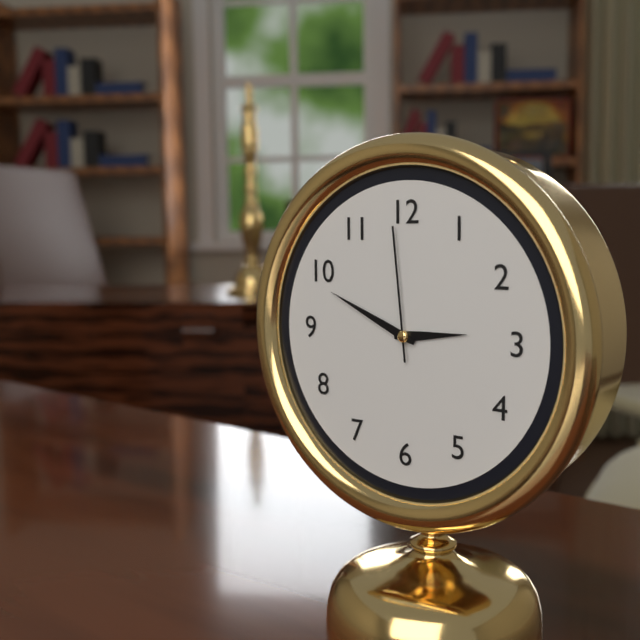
2:49:59
